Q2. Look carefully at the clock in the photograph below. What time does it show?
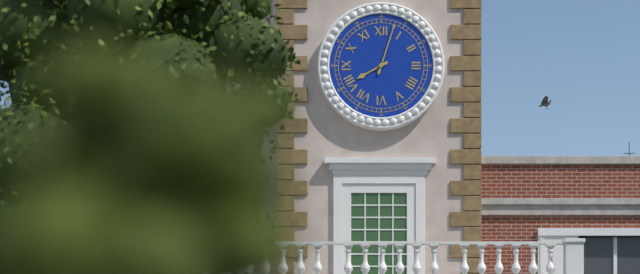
8:03
